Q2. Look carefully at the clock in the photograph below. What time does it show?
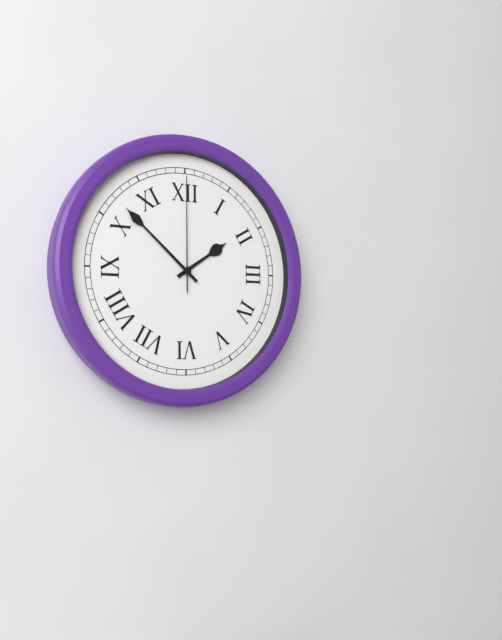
1:52:00
